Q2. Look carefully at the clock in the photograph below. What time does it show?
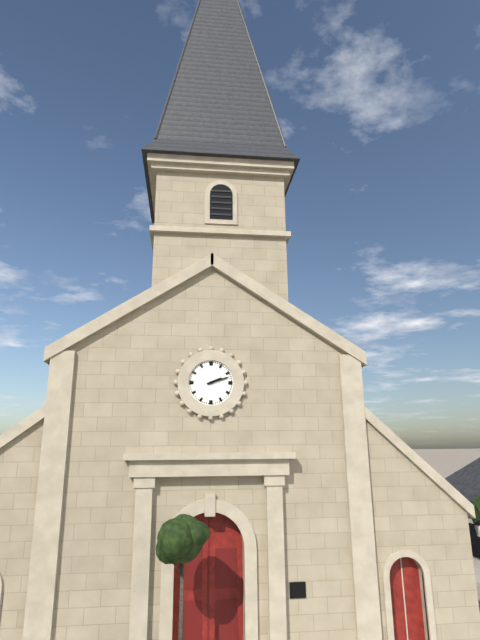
2:12
